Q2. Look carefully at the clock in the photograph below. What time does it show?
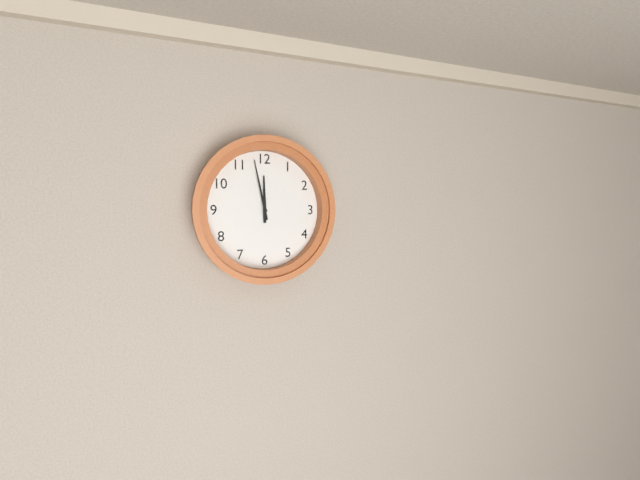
11:58
